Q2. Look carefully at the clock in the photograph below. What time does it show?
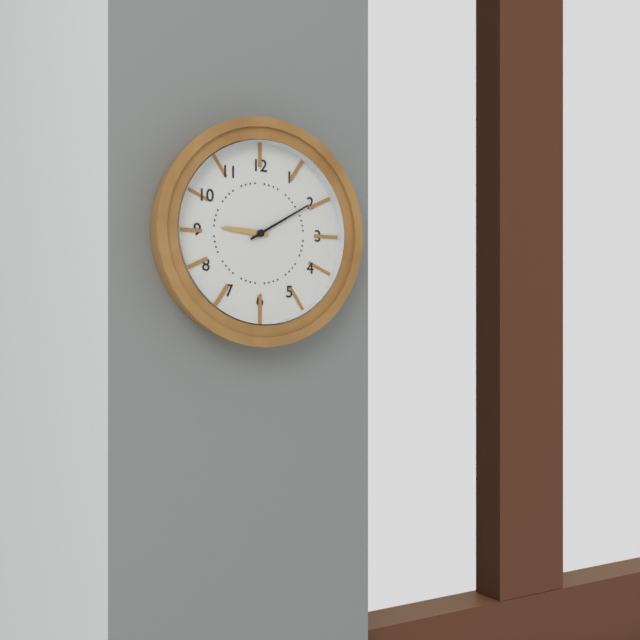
9:10
